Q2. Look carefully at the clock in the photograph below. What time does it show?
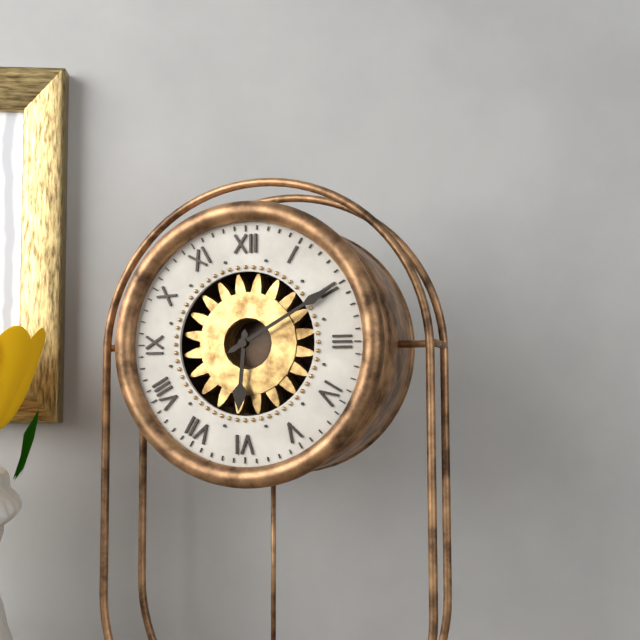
6:10
